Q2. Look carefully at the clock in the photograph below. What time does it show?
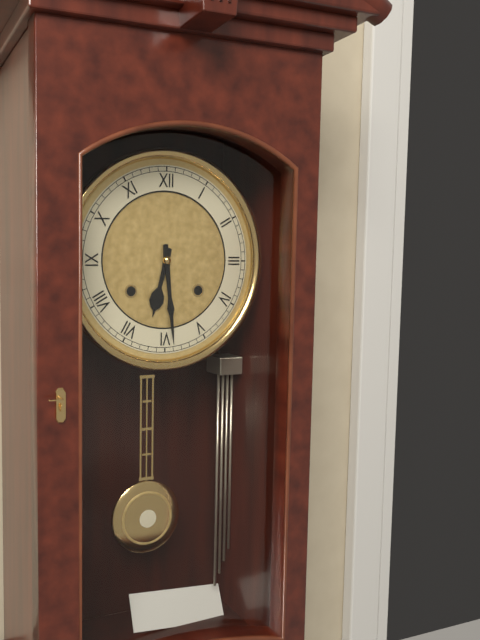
6:29
